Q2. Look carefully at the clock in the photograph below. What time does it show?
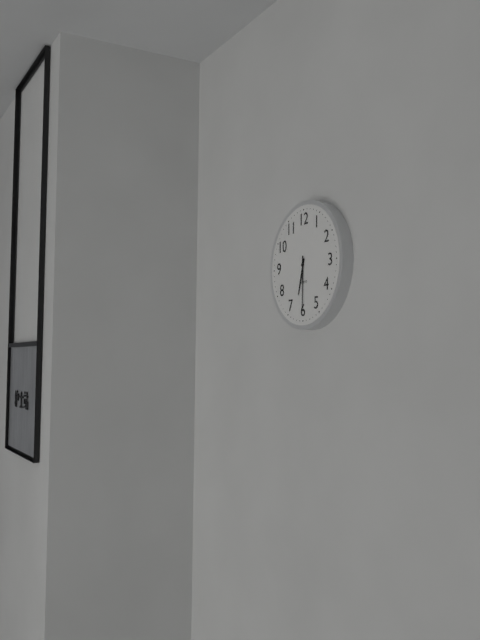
6:30
